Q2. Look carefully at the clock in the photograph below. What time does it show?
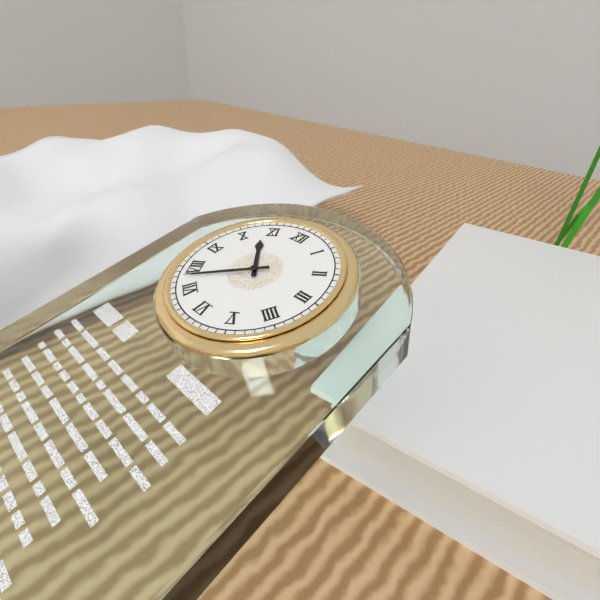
10:38
